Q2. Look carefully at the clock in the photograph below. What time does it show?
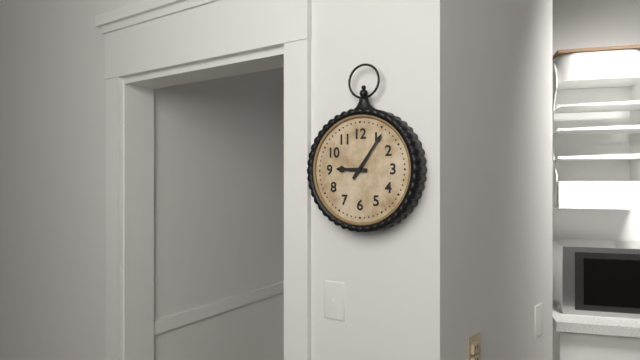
9:06
